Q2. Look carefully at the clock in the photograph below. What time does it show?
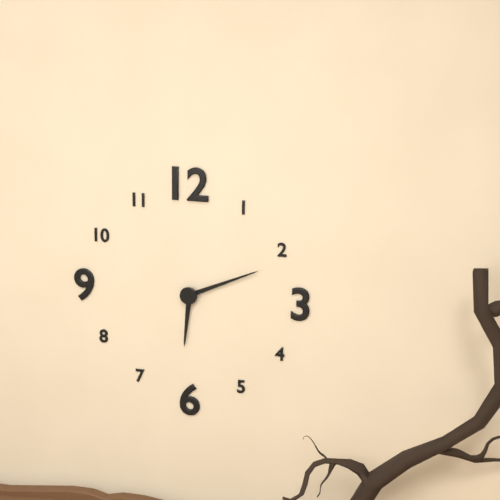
6:11
